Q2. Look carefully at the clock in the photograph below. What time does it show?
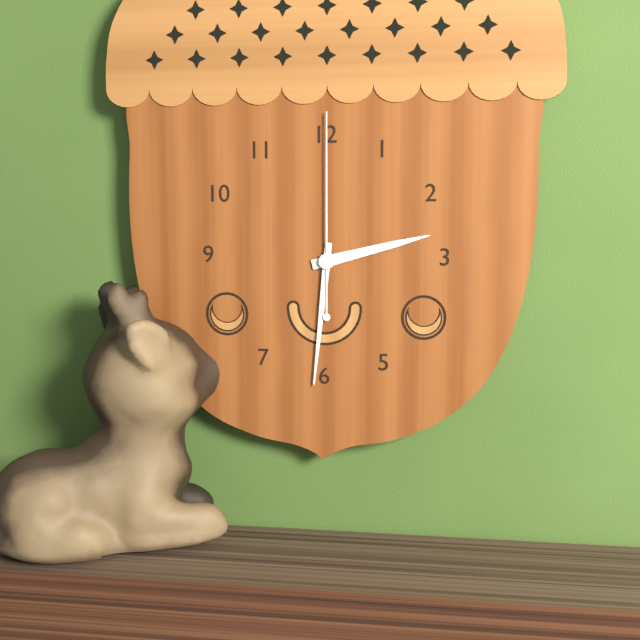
2:31:00
